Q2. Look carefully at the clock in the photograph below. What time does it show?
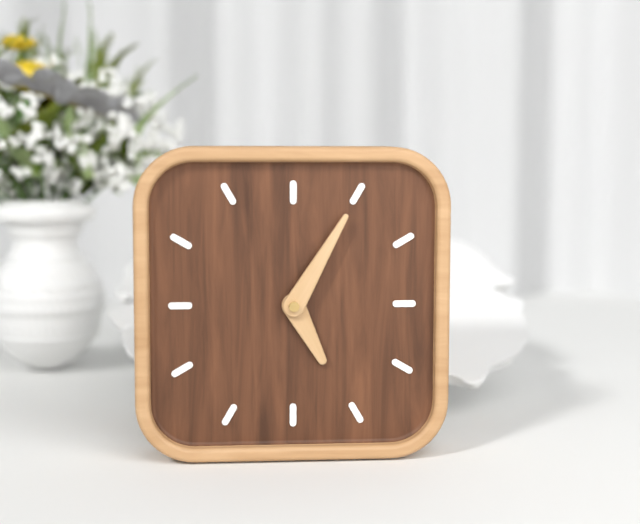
5:05
